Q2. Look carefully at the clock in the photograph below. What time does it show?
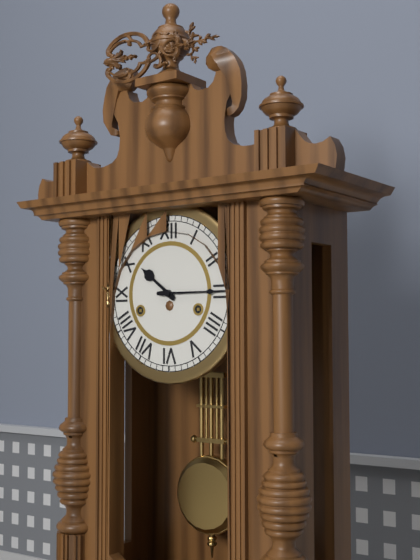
10:15
